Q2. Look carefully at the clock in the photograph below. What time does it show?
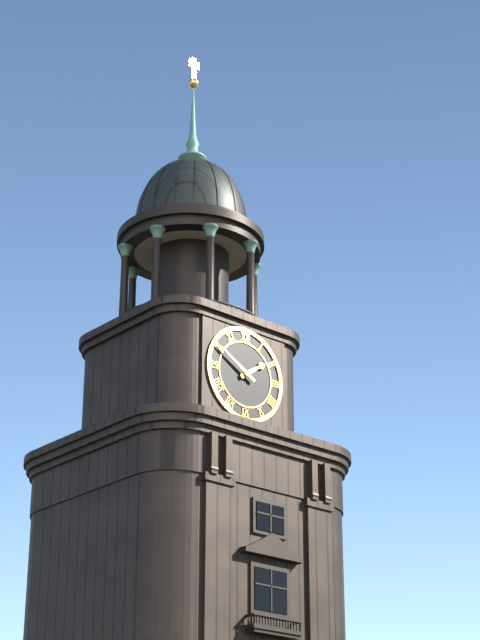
1:50
